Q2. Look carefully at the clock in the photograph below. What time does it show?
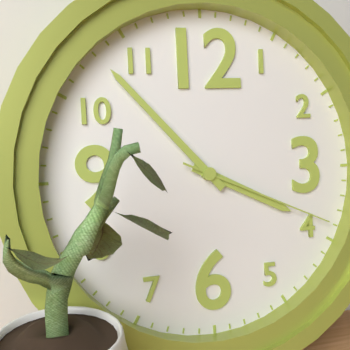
3:53:19
